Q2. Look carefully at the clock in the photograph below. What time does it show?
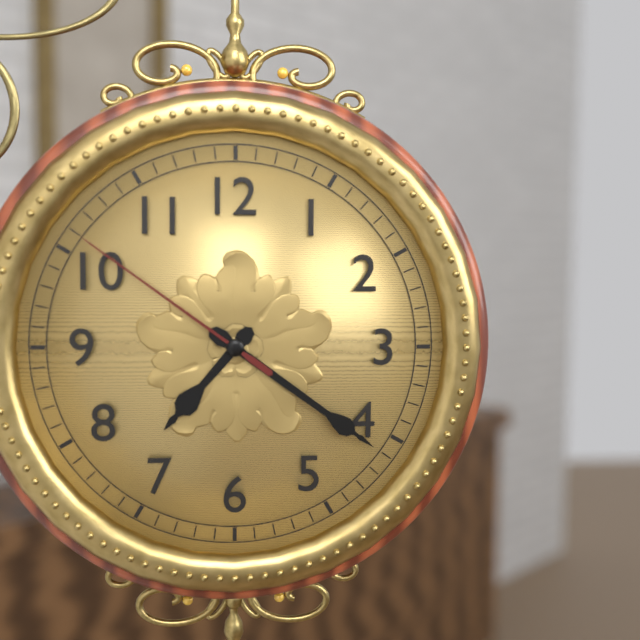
7:21:51
